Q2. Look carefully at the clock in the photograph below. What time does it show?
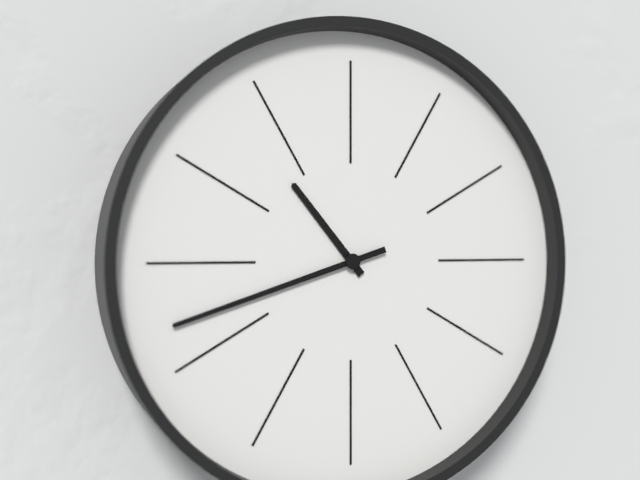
10:42
